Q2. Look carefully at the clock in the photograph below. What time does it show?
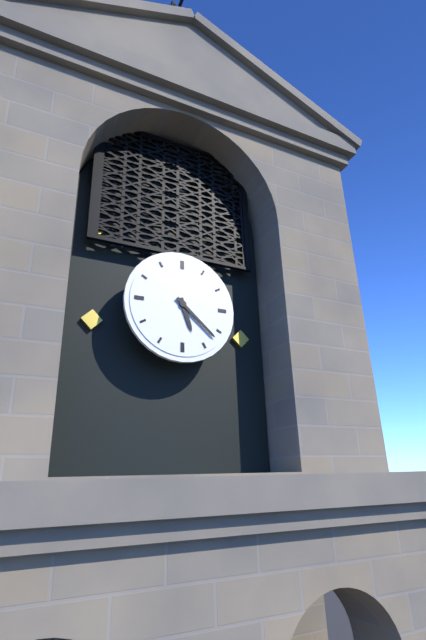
5:22
